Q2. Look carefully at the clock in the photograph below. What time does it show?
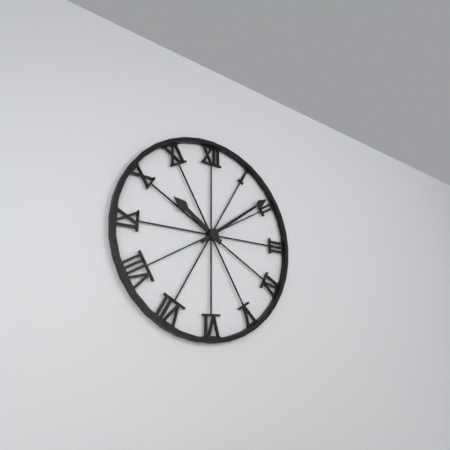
10:09
